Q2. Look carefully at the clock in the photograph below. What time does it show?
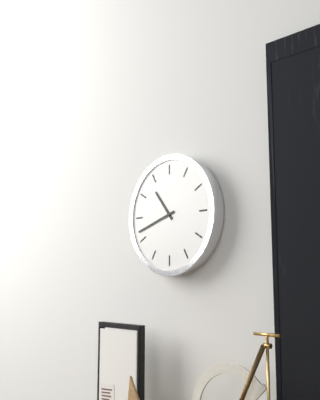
10:42
